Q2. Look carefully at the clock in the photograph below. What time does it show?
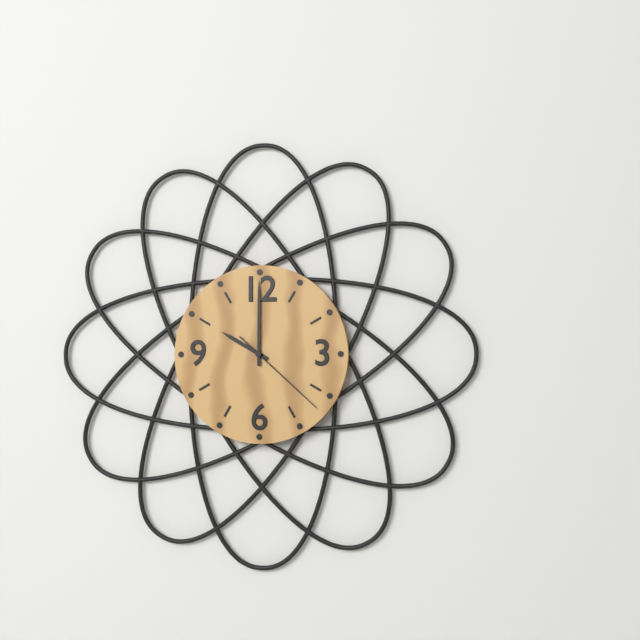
10:00:22
